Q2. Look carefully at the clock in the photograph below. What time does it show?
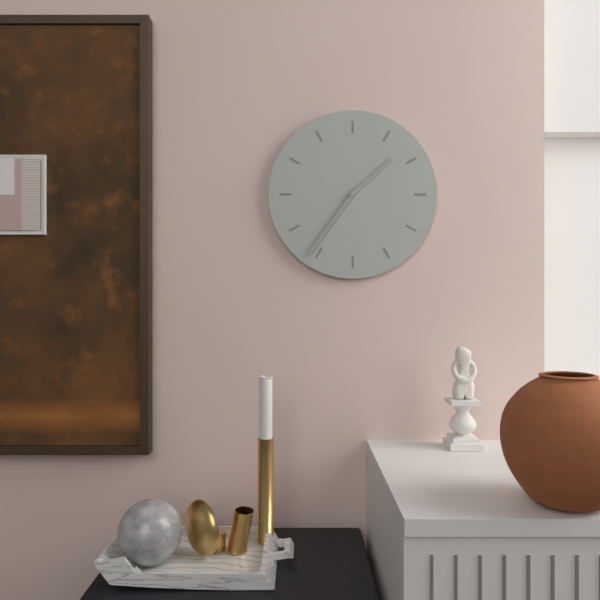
1:36
